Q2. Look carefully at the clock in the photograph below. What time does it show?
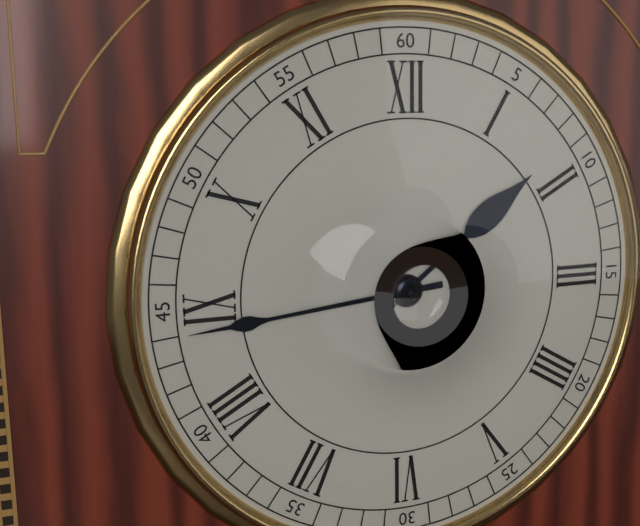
1:44
